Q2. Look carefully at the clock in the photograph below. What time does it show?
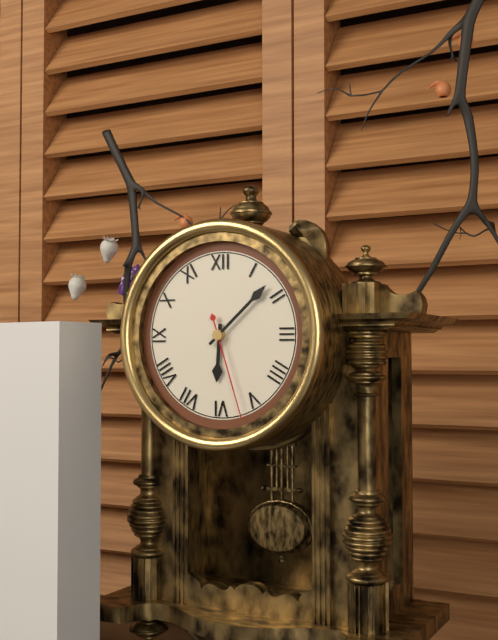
6:08:27
